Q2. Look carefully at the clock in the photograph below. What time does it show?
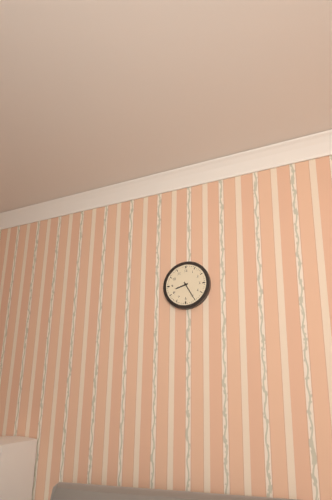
8:25
